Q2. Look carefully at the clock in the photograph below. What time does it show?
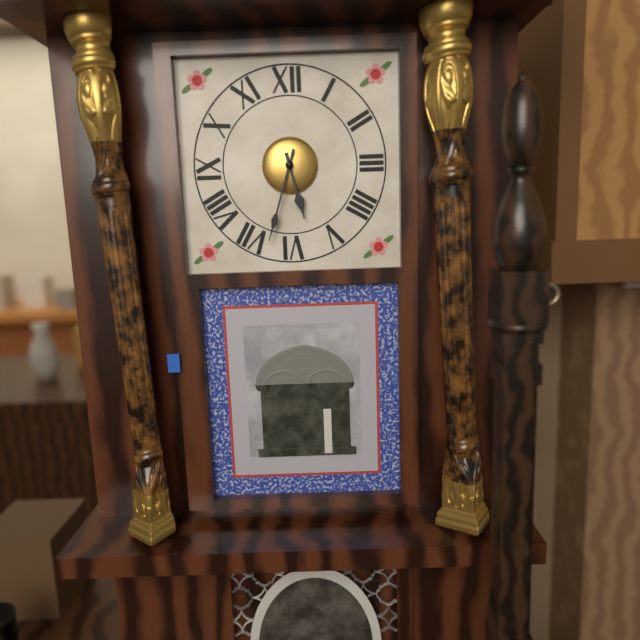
5:33
